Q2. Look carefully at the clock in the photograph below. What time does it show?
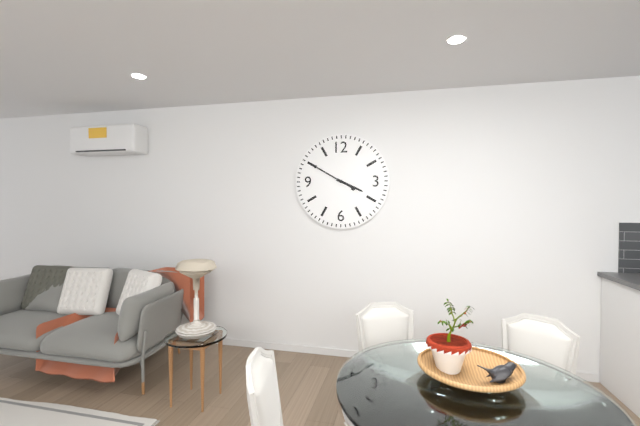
3:50
